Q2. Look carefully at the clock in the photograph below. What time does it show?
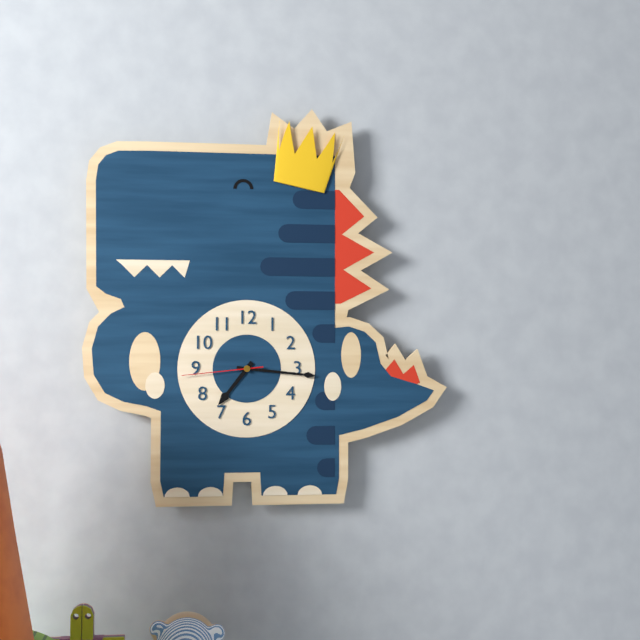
7:16:44
